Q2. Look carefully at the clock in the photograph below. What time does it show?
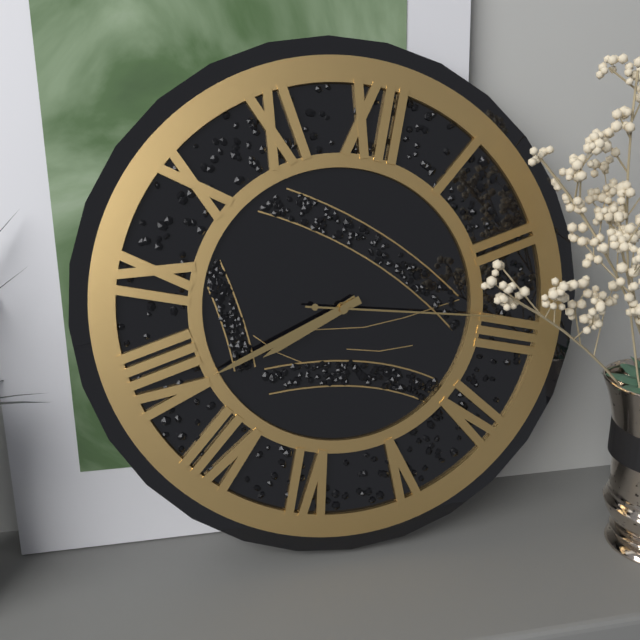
7:39:14
